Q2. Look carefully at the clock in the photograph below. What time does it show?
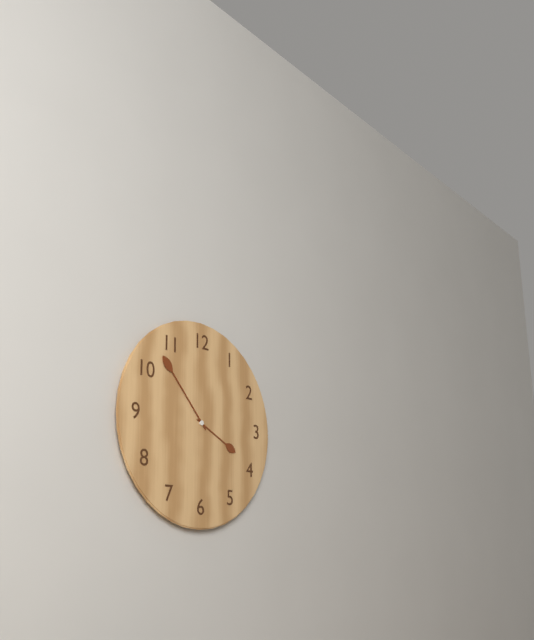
3:53
